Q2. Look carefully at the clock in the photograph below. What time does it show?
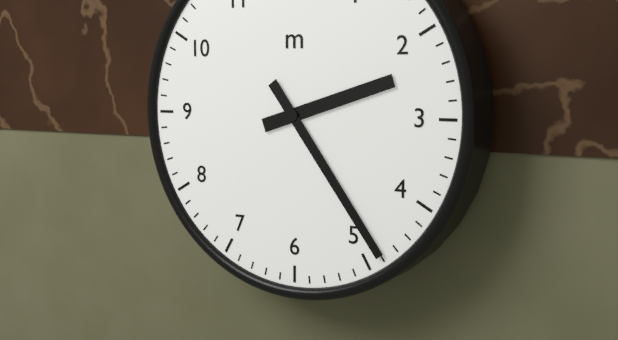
2:24
